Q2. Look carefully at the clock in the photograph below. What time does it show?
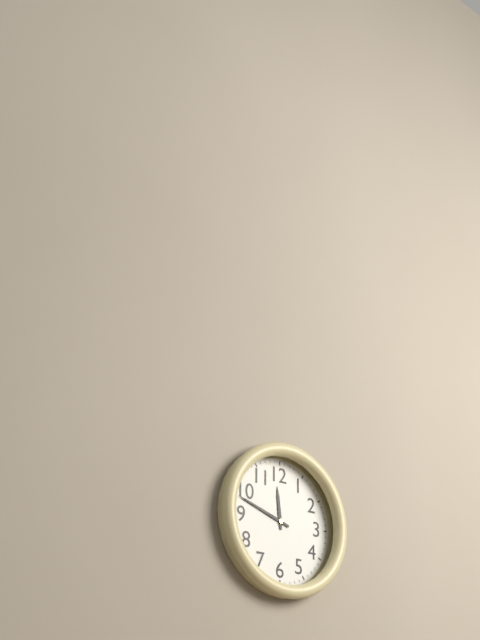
11:48
